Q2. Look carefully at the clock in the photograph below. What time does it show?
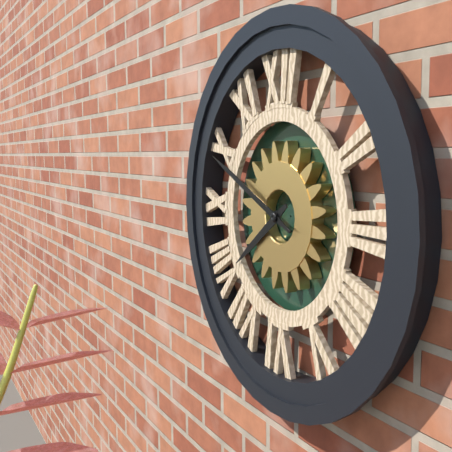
7:49
